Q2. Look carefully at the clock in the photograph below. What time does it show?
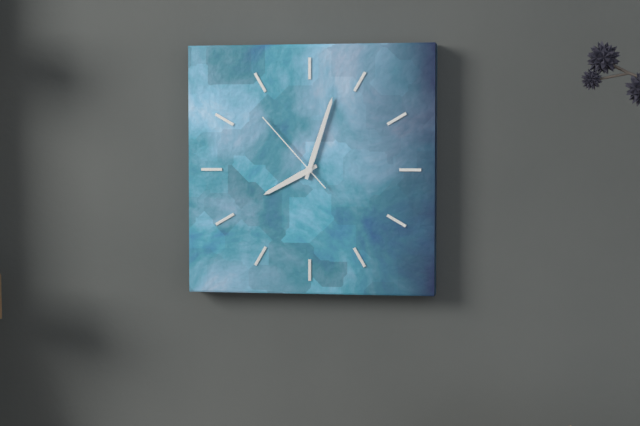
8:03:53
